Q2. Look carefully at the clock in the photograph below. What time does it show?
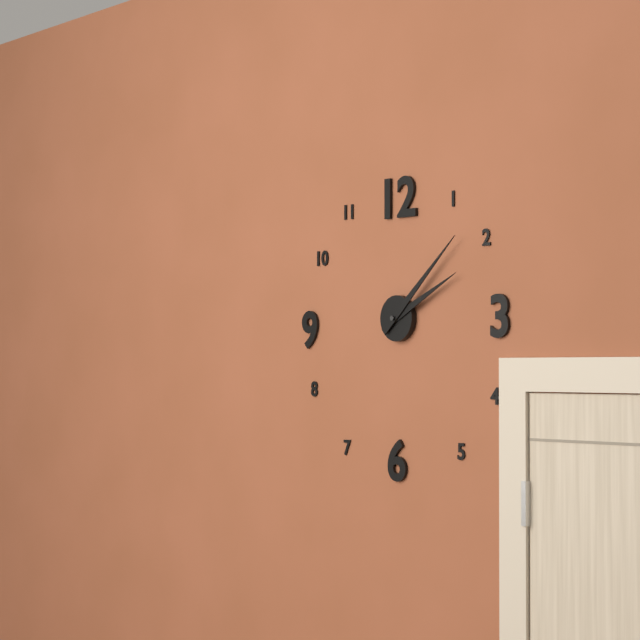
2:08
